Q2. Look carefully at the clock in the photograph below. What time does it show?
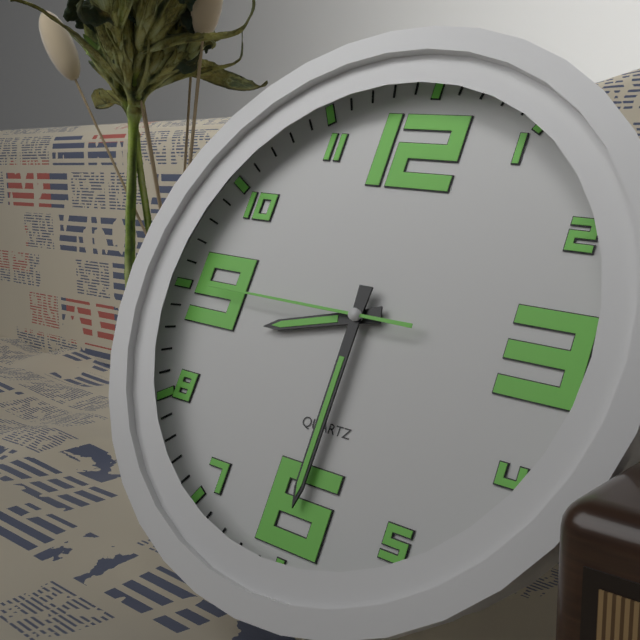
8:30:45
